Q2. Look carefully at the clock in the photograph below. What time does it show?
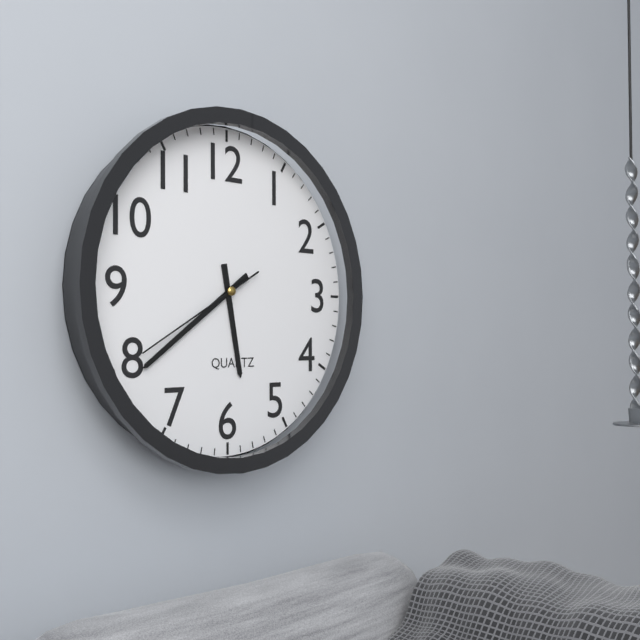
5:39:40
